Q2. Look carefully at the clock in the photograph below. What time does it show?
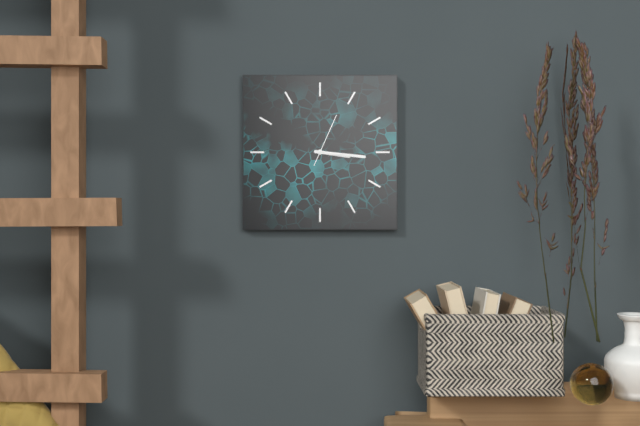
3:16:04
